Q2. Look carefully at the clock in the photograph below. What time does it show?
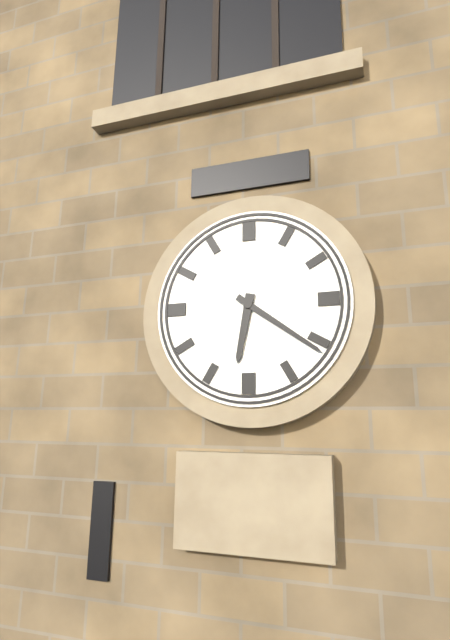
6:21
